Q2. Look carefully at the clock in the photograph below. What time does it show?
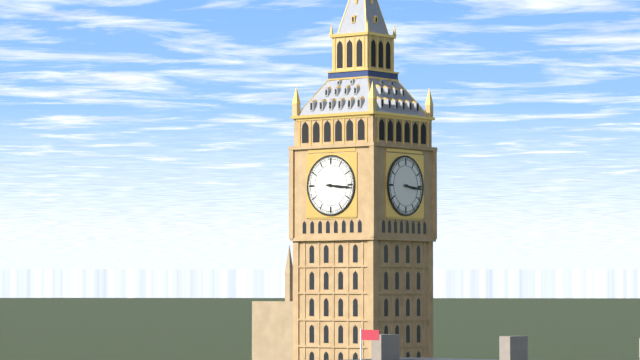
3:16
